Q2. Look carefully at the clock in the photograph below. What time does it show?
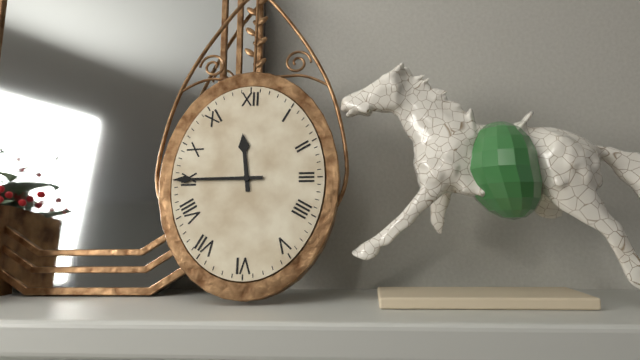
11:45
